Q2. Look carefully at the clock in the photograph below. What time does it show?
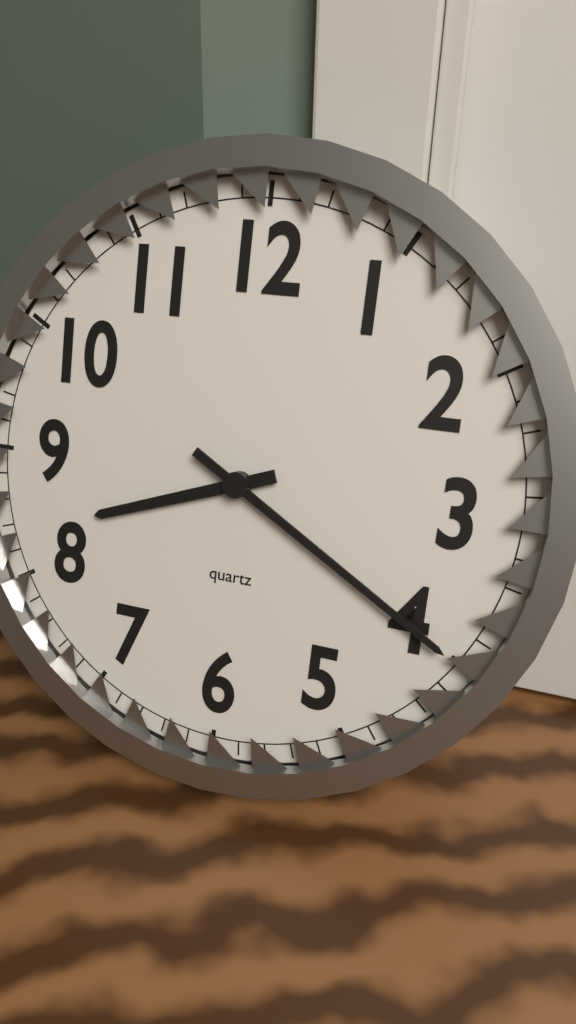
8:20
